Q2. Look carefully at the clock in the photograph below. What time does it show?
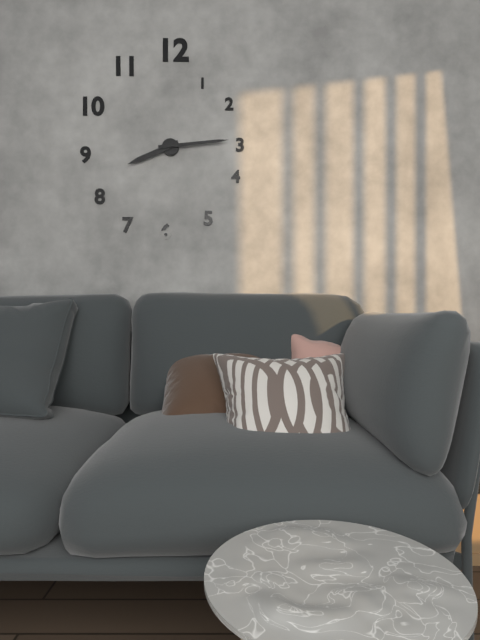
8:14
